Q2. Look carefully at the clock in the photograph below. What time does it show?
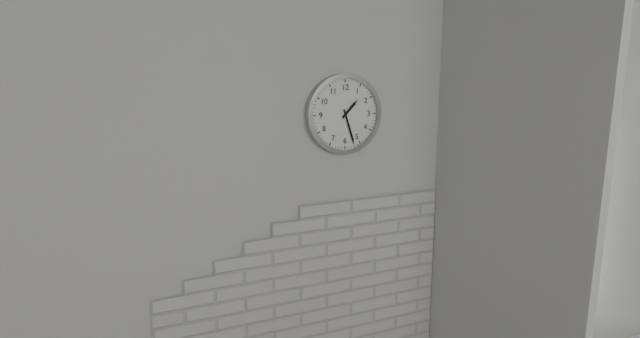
1:27
